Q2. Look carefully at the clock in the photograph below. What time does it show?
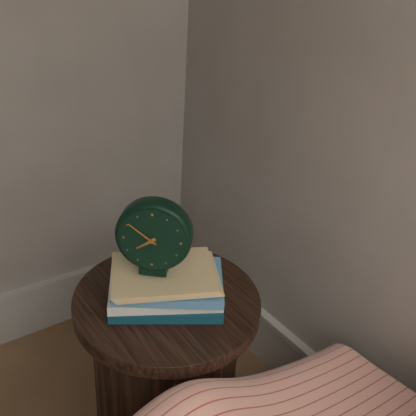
7:51
